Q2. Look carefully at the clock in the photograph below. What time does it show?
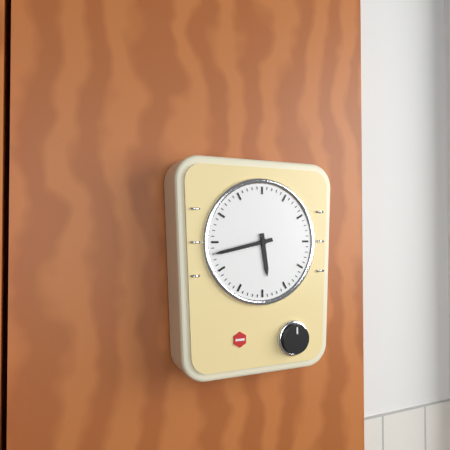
5:43
